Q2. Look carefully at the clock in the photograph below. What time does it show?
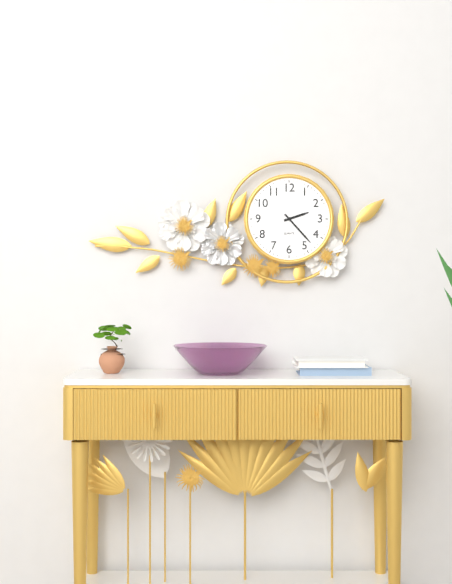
2:23
